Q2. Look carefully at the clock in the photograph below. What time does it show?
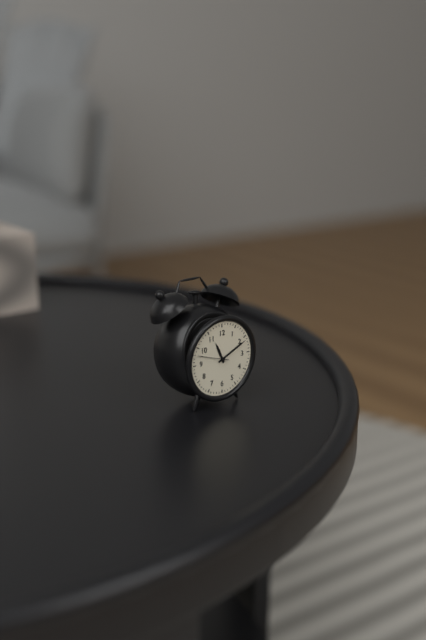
11:11
